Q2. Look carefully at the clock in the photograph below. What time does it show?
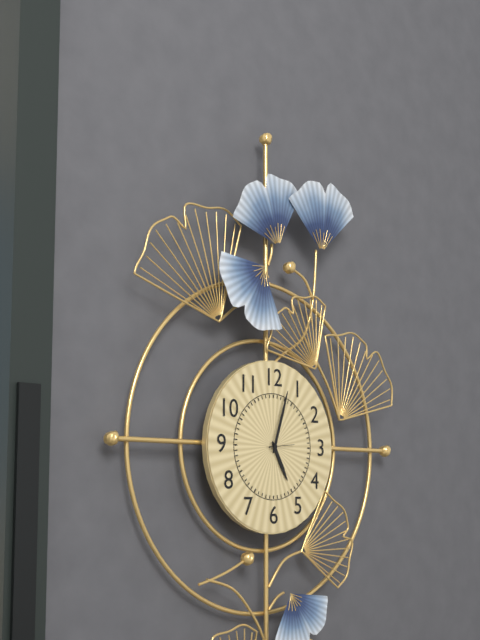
5:03
